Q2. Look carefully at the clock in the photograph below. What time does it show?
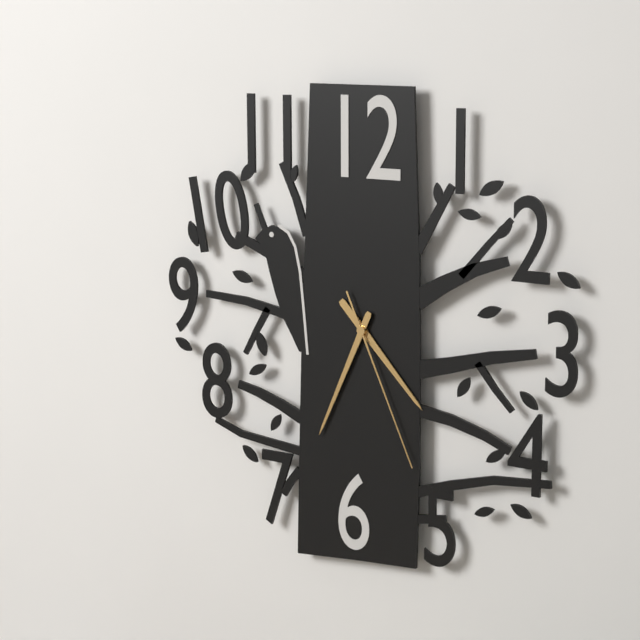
4:34:26
